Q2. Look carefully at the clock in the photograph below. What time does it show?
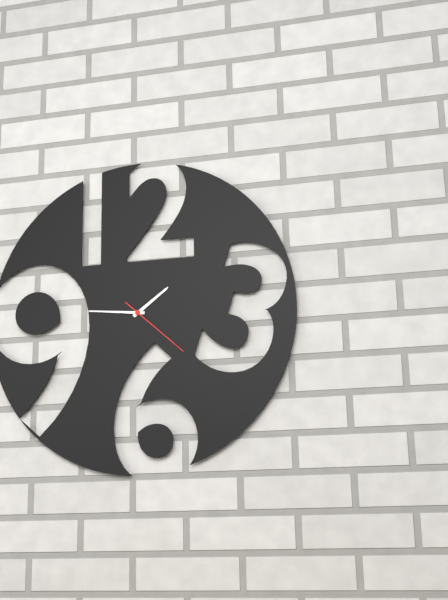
1:46:22
